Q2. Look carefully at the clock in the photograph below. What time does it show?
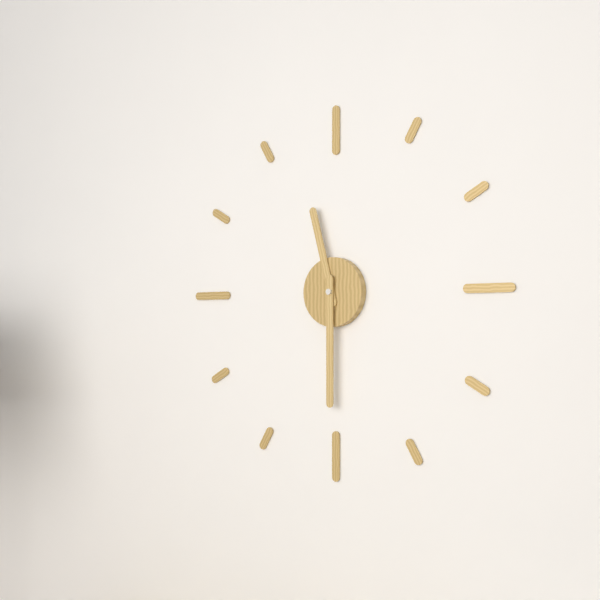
11:30
